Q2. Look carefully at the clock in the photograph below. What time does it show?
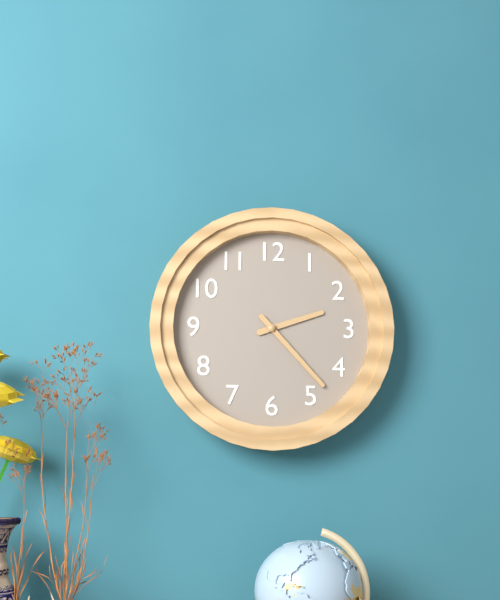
2:23
